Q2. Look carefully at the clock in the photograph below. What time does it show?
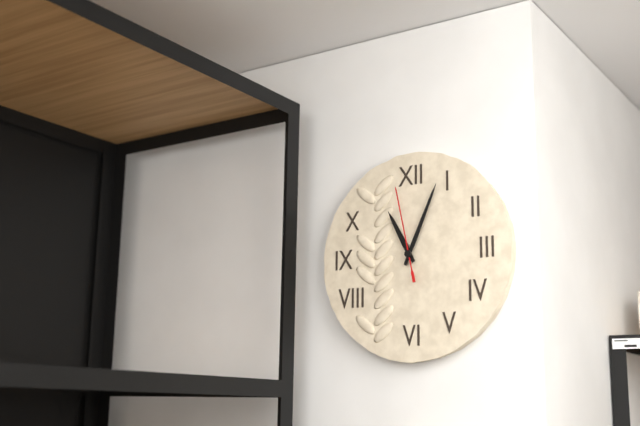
11:04:58
